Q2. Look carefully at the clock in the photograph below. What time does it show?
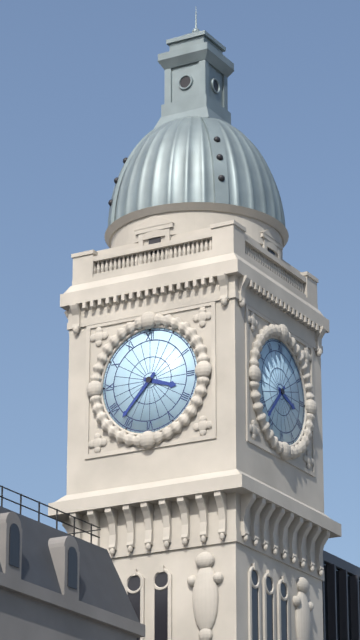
3:37
